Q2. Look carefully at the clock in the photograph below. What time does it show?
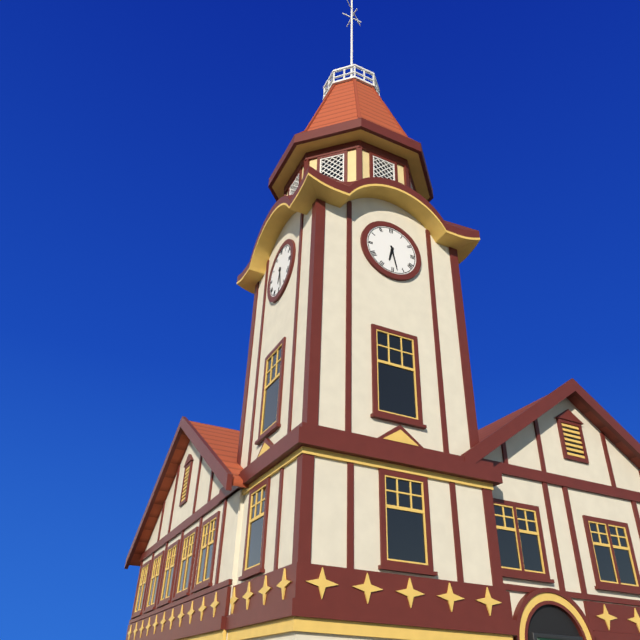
6:28
